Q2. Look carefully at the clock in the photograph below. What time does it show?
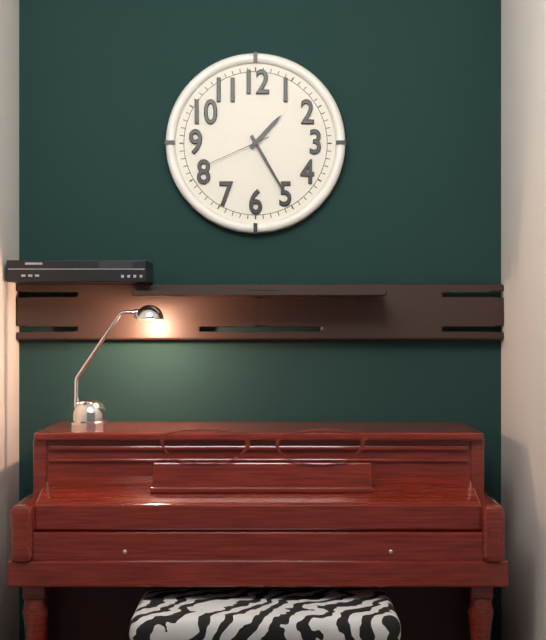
1:25:41
